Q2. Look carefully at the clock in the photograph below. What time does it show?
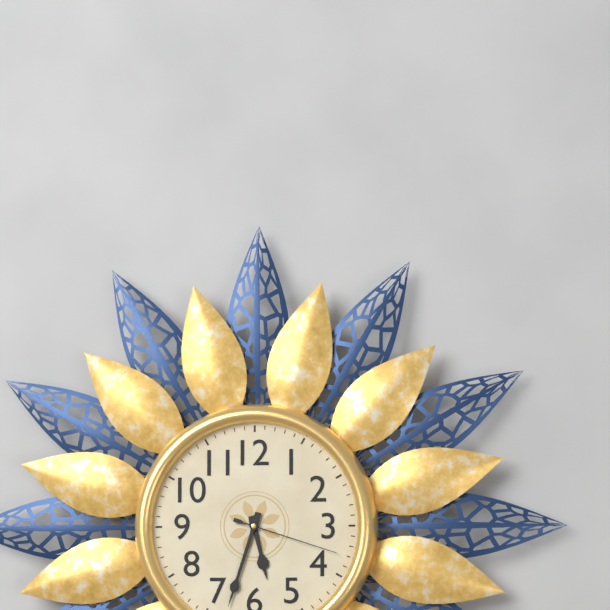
5:33:18
